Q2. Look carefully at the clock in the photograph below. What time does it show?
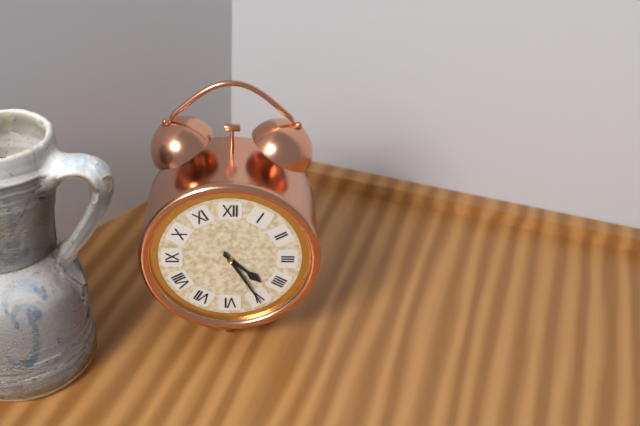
4:25
